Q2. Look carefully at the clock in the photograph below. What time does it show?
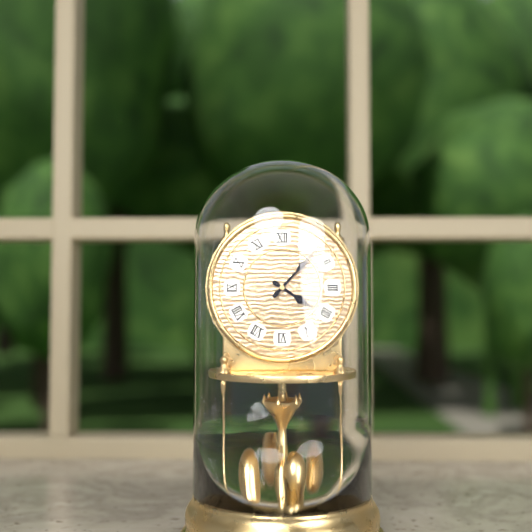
4:07
